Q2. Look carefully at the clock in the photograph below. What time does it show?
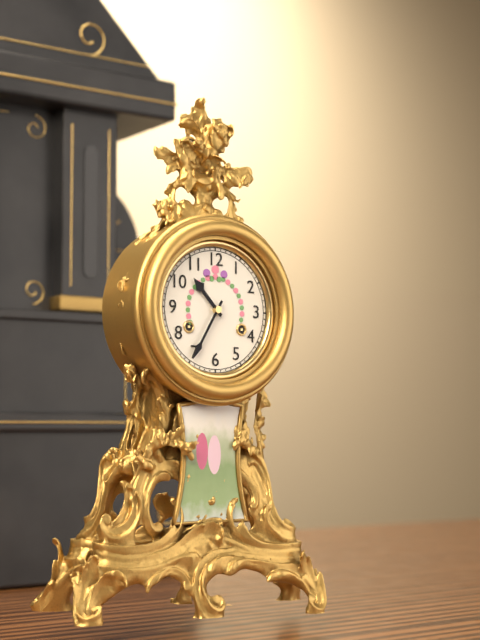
10:35
